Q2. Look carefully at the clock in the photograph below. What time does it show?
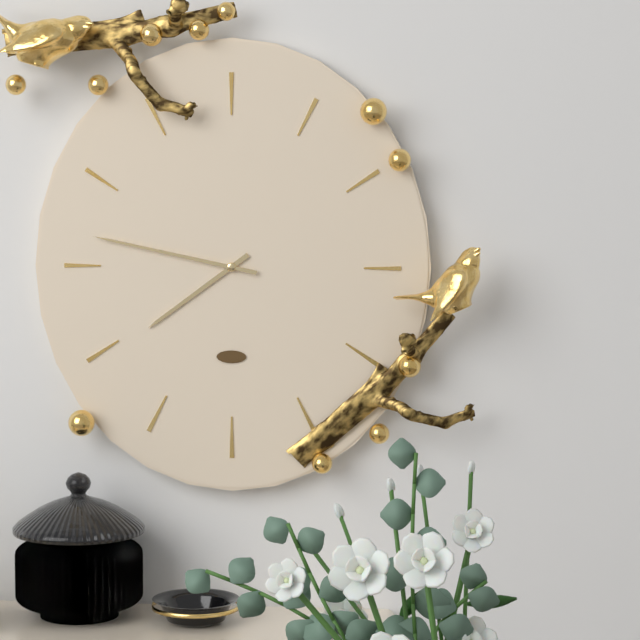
7:47
